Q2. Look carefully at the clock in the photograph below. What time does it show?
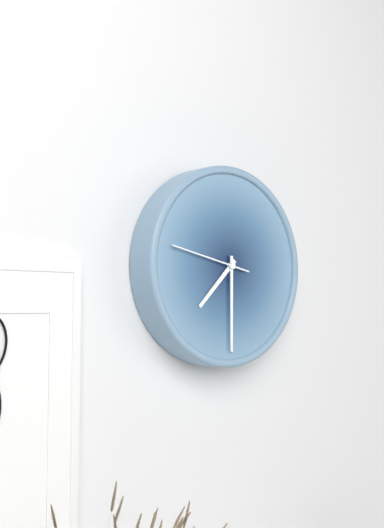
7:30:47
